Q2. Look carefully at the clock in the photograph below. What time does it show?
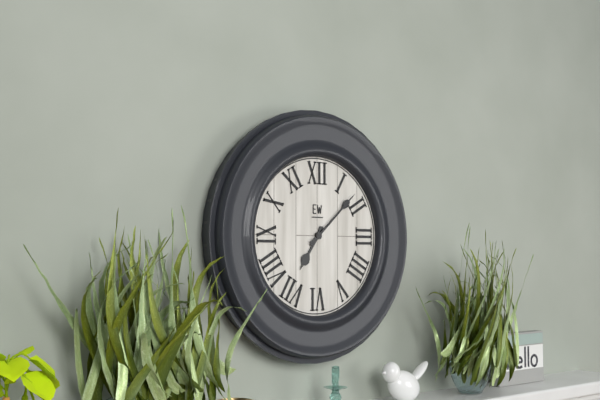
7:08
